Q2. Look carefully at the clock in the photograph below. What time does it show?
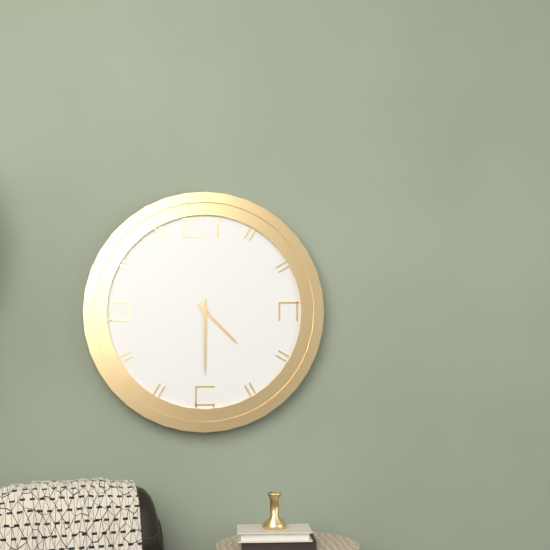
4:30
